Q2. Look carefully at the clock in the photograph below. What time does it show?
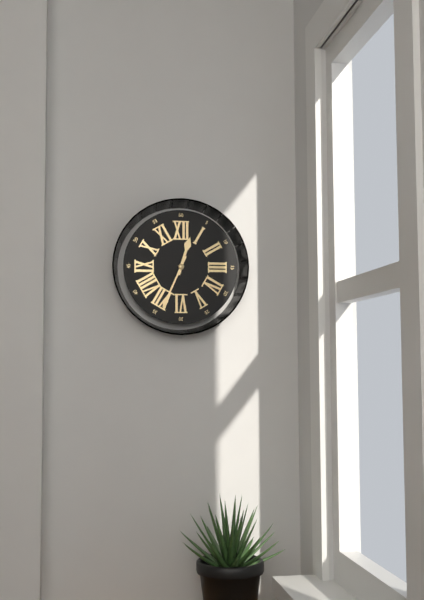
12:34
